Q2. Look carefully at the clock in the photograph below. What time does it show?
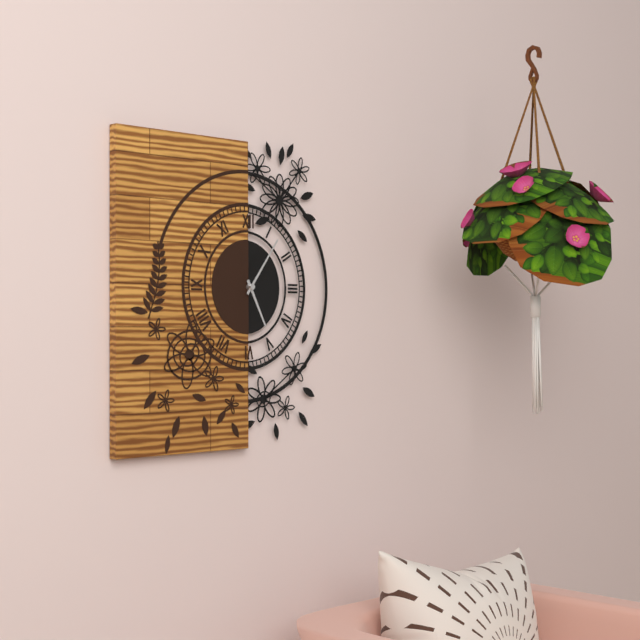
5:06
